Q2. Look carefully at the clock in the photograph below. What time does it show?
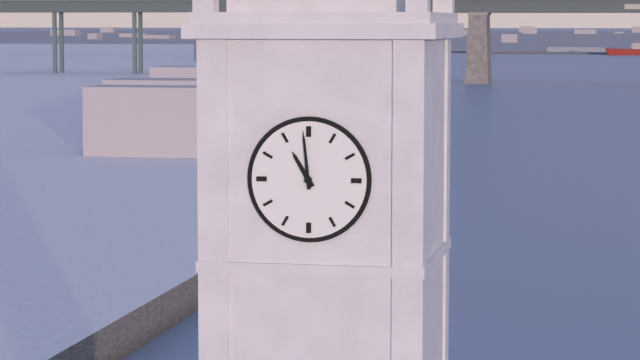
10:59
